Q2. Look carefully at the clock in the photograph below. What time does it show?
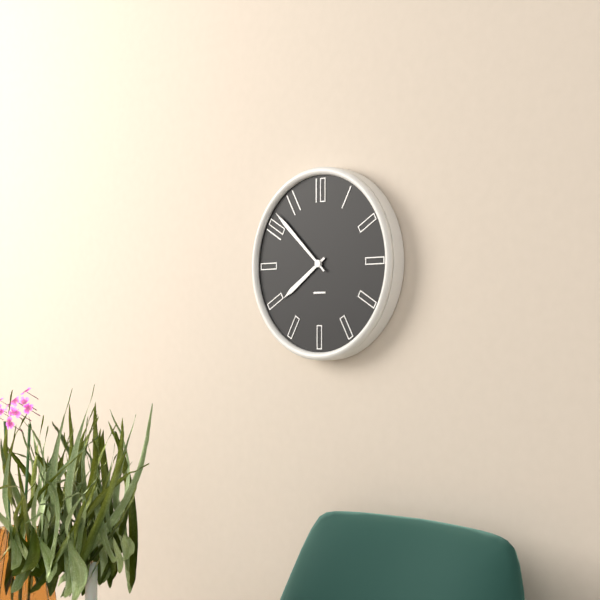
7:52
